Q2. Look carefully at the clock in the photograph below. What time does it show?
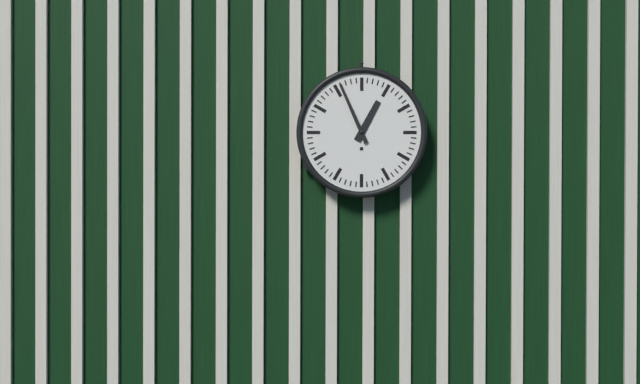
12:56
